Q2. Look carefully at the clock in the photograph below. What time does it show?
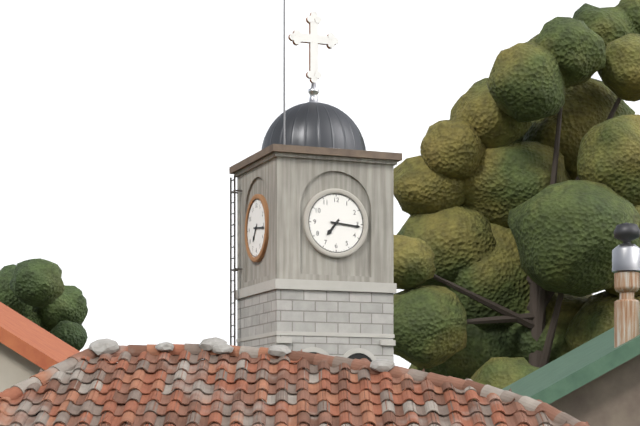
7:16
